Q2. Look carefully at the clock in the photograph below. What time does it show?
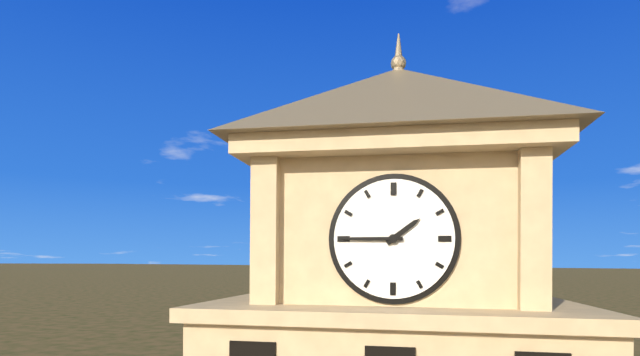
1:45
